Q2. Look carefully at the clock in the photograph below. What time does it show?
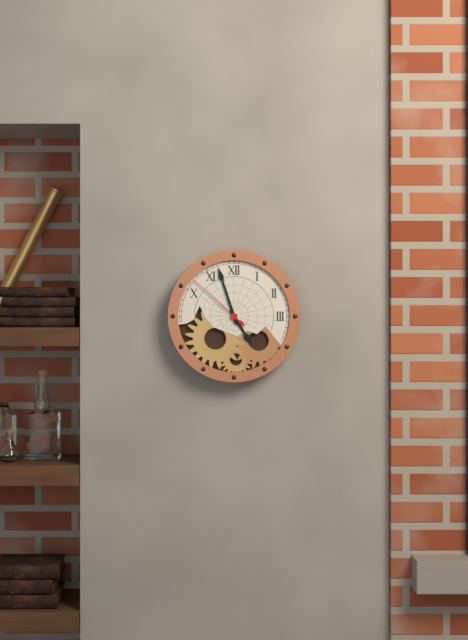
4:57:52
